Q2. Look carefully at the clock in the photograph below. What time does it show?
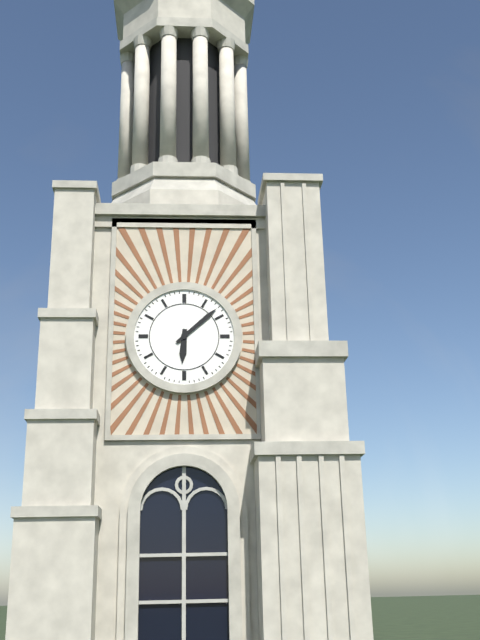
6:08
